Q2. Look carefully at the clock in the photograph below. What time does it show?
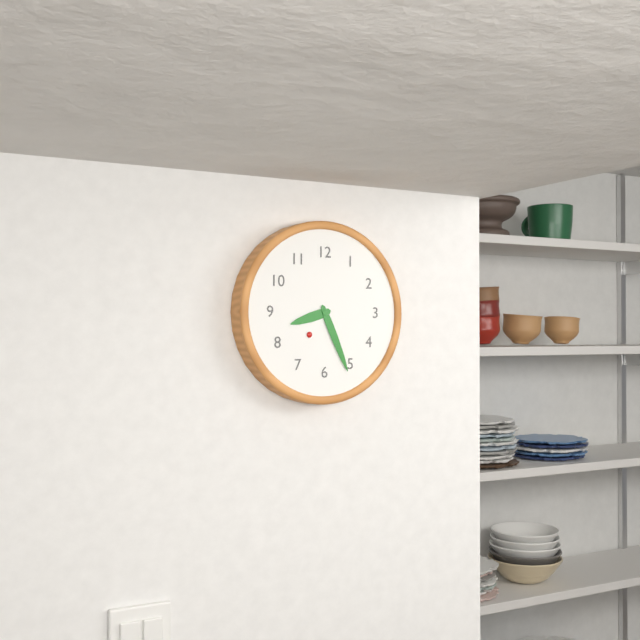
8:26
